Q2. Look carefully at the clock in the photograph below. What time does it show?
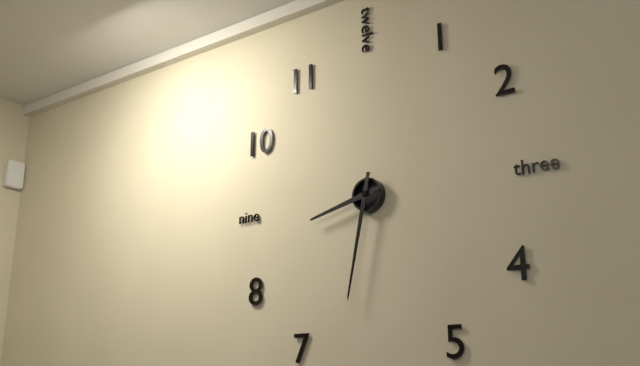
8:32
